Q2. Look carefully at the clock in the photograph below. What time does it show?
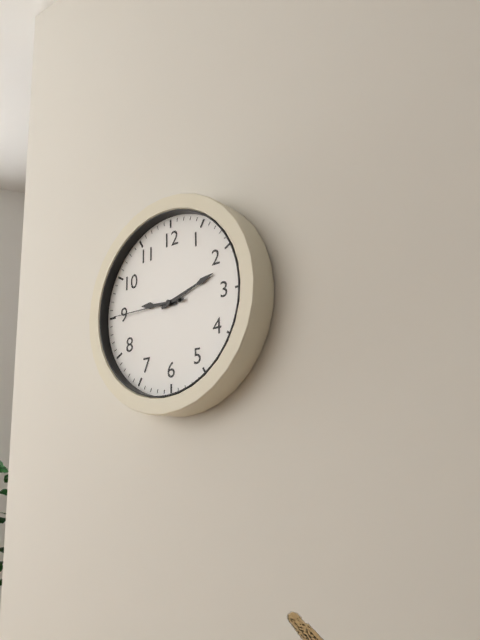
9:12:45
